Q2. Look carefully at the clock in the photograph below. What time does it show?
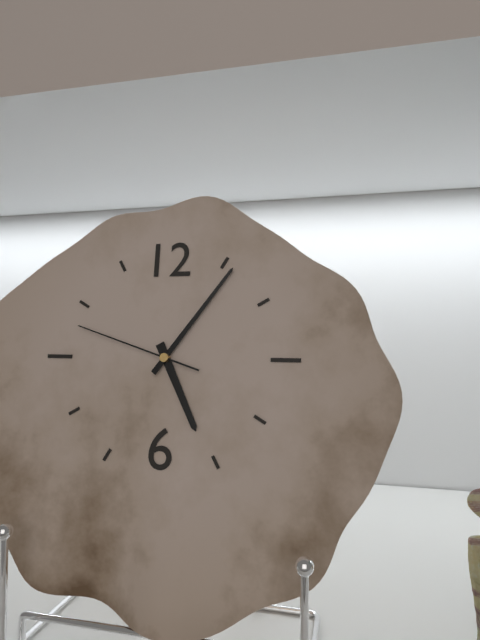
5:06:48
